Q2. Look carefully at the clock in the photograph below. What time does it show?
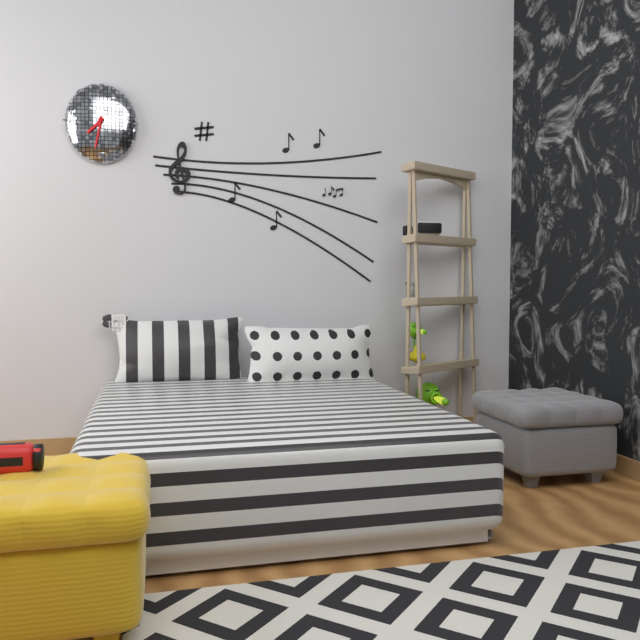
7:32
